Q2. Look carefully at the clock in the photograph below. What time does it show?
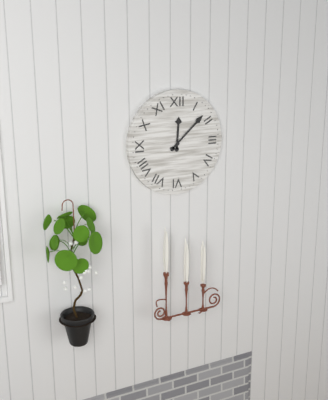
12:08
